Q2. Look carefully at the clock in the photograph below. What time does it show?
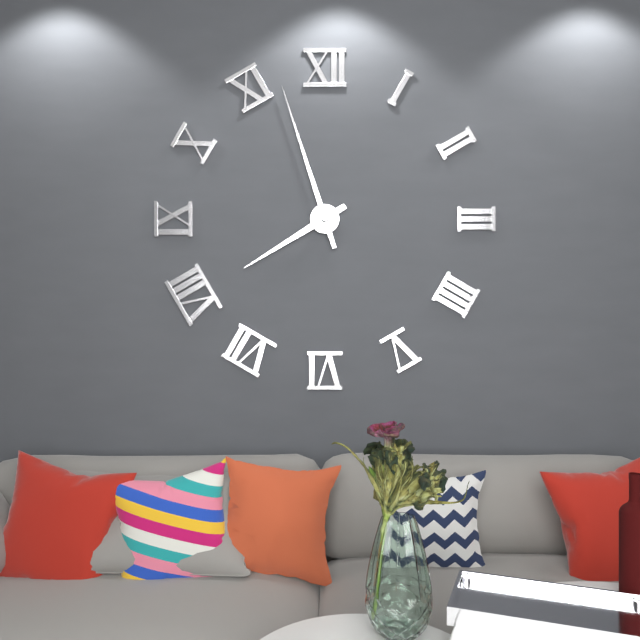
7:57
